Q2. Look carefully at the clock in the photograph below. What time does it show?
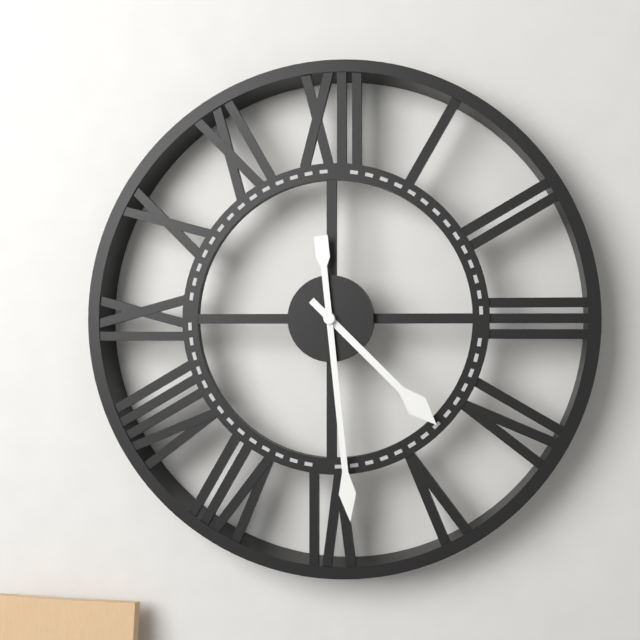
4:29
